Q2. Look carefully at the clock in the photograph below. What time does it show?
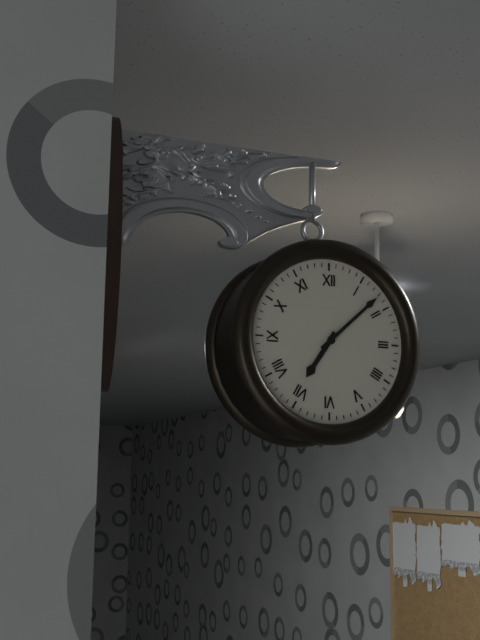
7:08
